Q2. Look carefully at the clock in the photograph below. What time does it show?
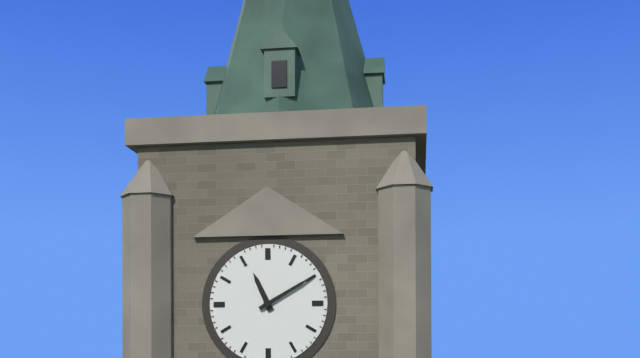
11:10
